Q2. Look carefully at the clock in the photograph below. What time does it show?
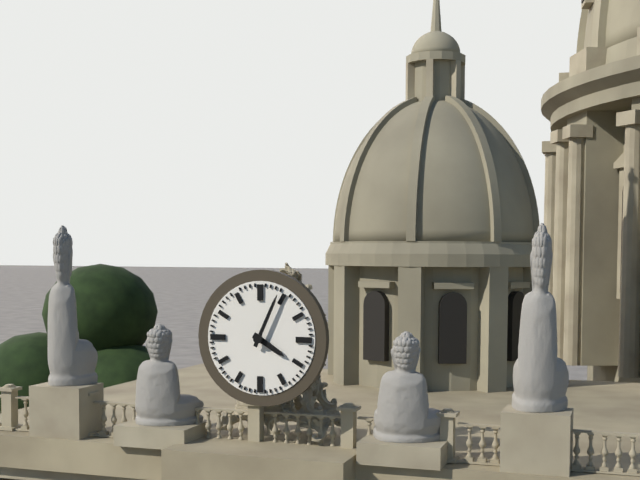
4:04
